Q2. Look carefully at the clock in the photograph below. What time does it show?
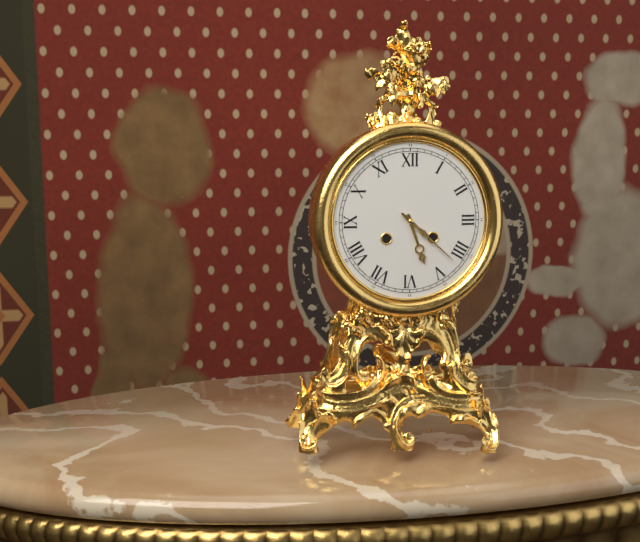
5:22
